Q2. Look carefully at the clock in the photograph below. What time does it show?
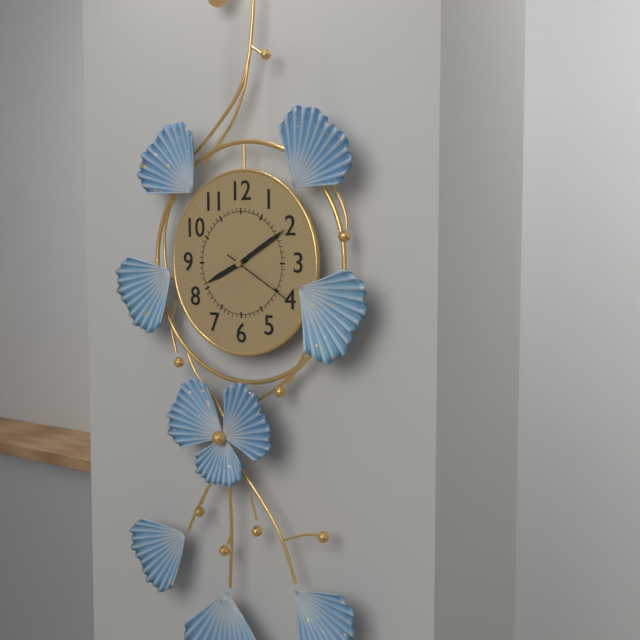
8:10:20
